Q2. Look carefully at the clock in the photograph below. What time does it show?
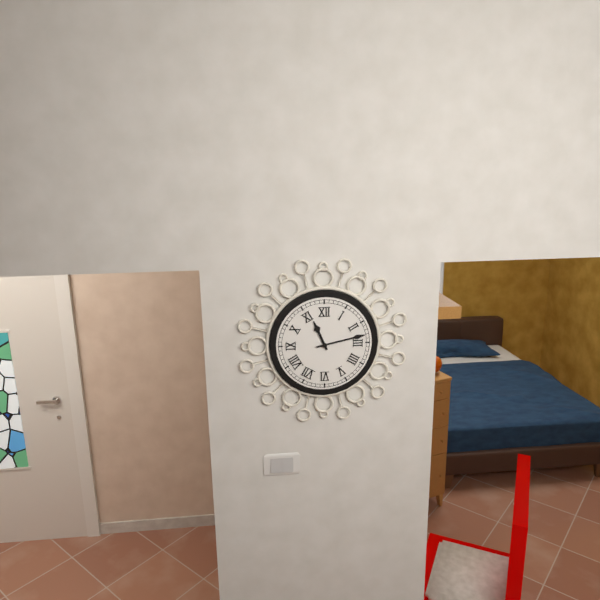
11:13
